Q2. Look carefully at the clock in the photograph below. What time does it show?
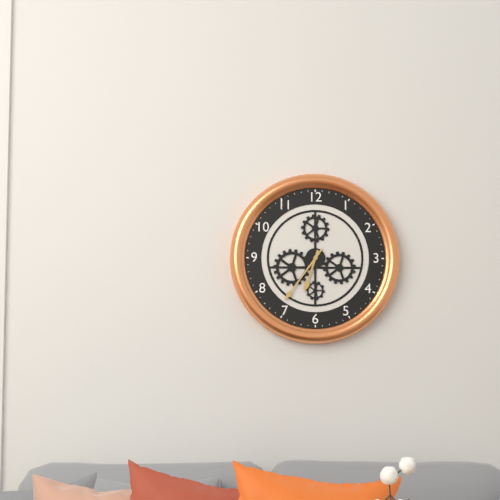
6:36
